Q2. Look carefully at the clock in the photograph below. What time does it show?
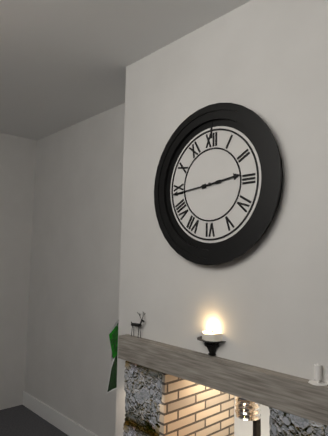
2:44
